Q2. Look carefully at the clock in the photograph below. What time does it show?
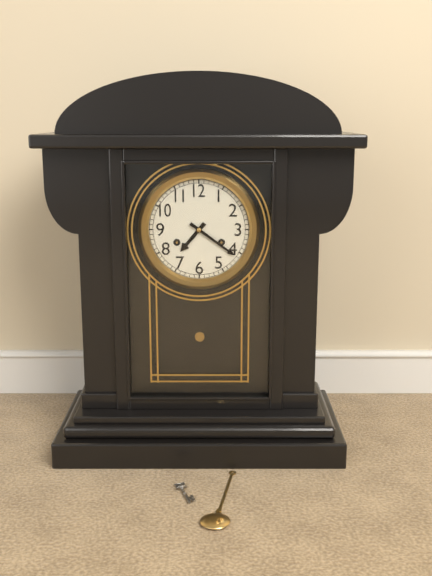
7:21
